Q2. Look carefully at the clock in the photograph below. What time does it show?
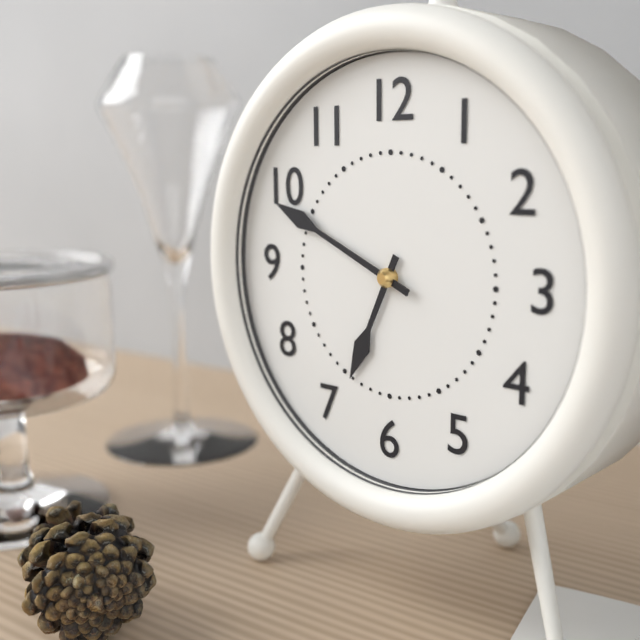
6:49
